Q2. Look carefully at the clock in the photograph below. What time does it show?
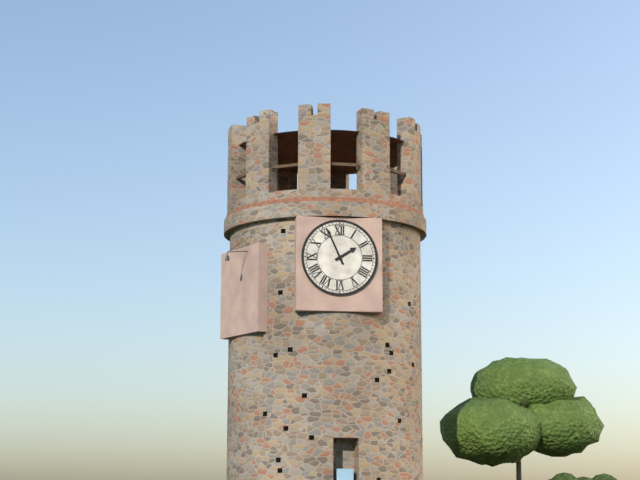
1:56
